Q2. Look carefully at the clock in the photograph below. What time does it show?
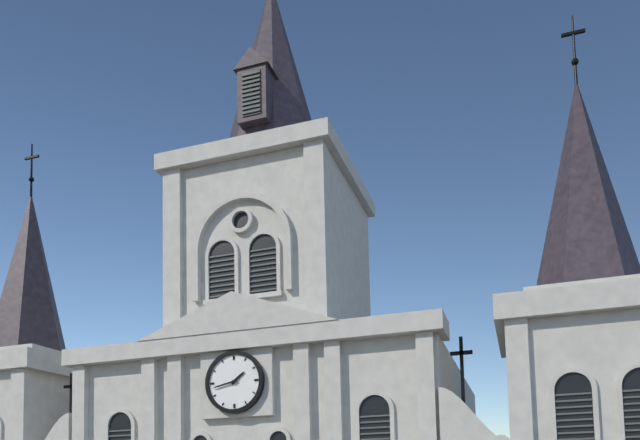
1:43
